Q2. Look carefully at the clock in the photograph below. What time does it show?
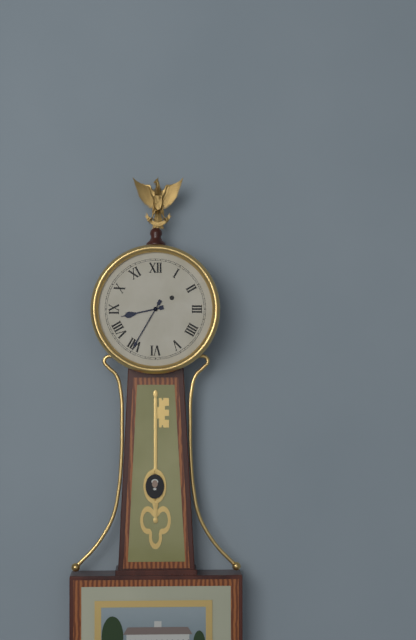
8:35
